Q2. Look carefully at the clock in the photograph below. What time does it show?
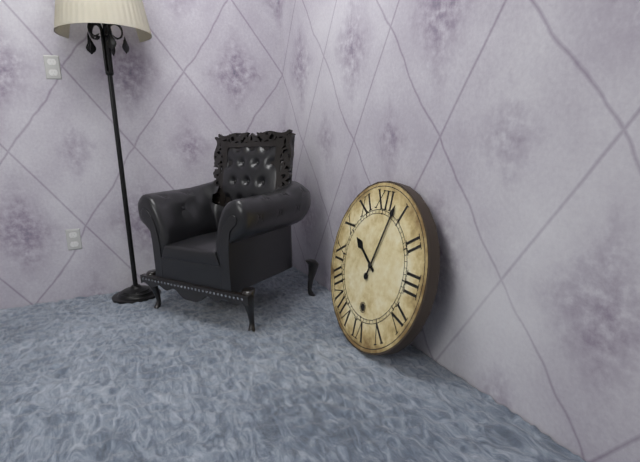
10:03
